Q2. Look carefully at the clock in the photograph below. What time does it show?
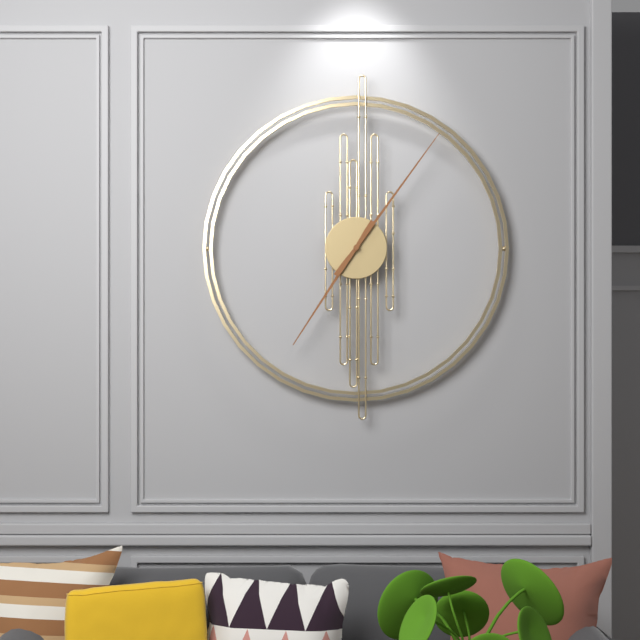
7:06
